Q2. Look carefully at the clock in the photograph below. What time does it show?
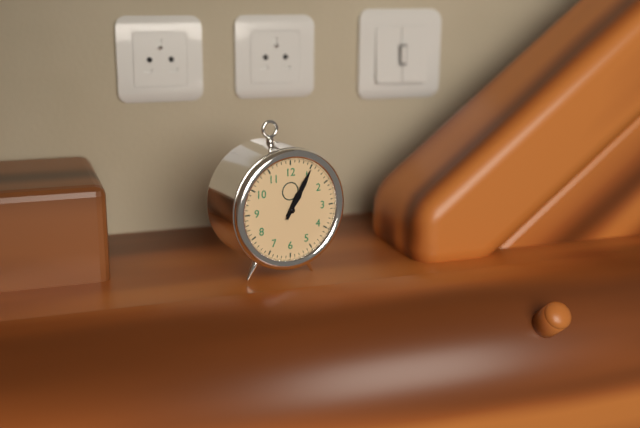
1:05
